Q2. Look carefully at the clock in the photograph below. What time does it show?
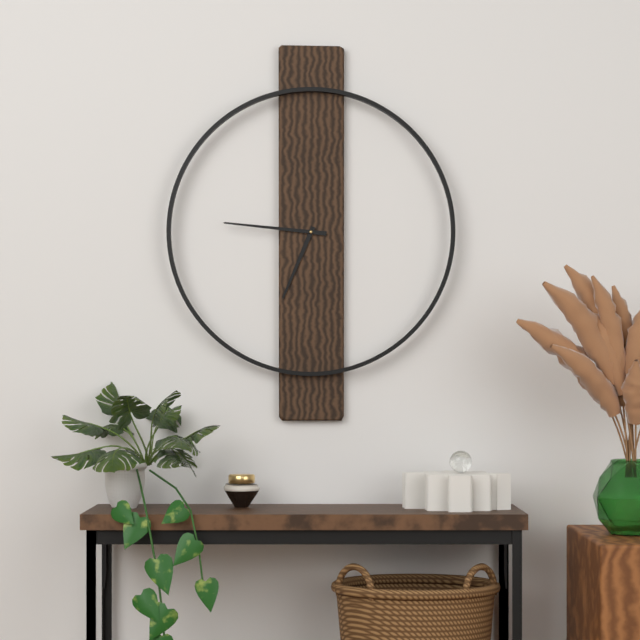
6:46
